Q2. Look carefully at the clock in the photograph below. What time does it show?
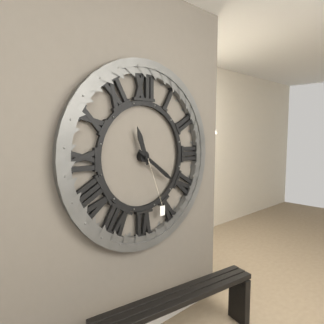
11:21
